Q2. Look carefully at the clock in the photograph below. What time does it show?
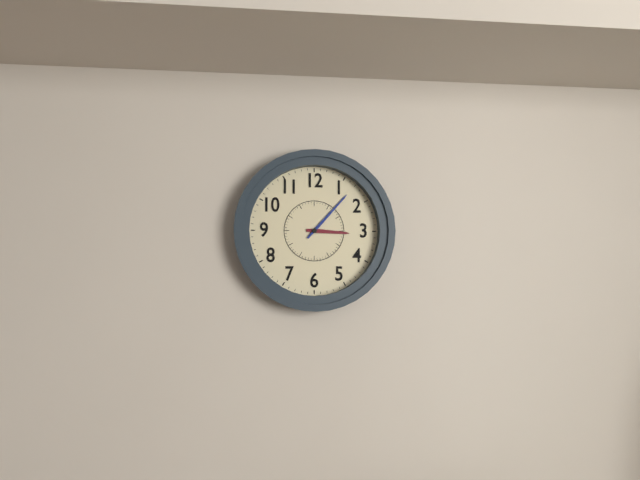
3:07
